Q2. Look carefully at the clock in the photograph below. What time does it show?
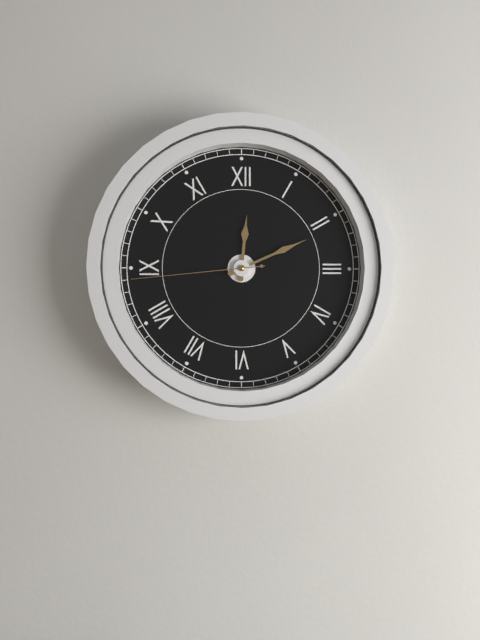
12:11:44
